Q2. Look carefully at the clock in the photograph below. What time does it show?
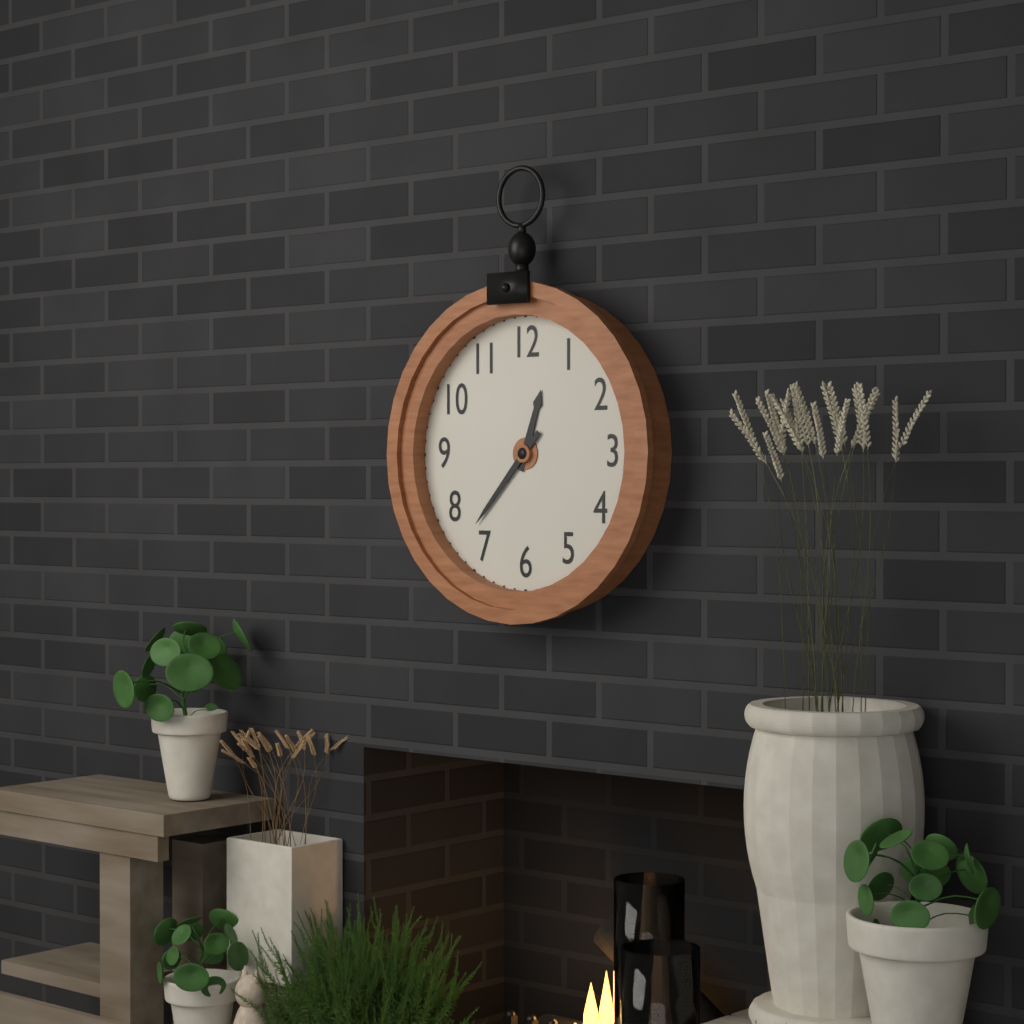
12:37
